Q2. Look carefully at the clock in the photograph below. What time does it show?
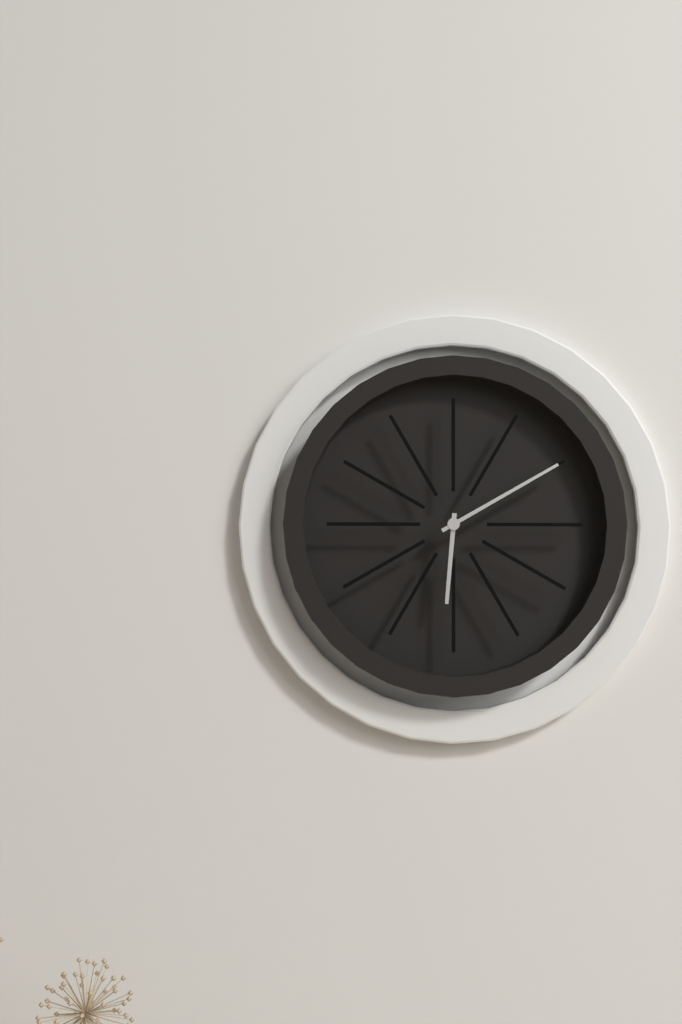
6:10
